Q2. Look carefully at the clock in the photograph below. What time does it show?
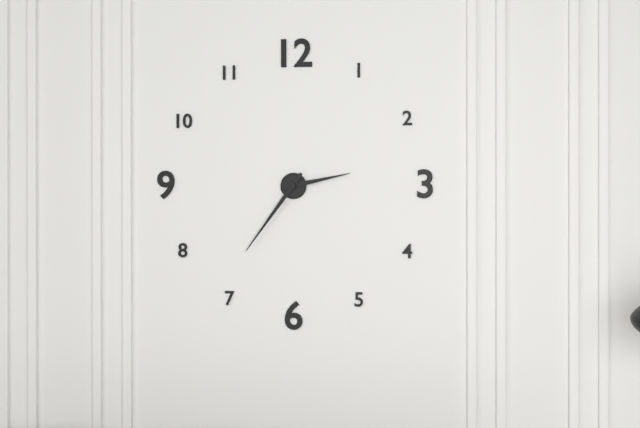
2:36
